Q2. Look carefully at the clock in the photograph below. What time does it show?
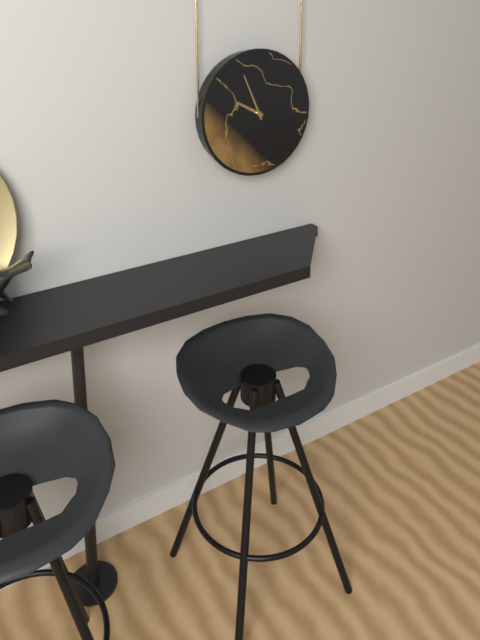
9:56
